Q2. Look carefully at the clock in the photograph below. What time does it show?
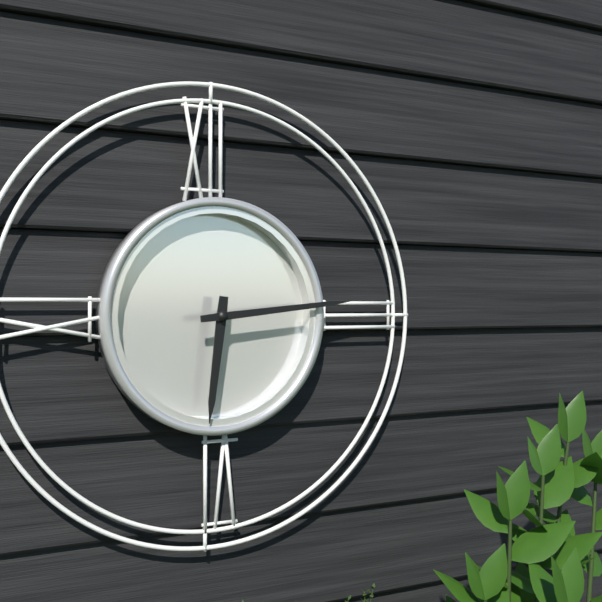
6:14
